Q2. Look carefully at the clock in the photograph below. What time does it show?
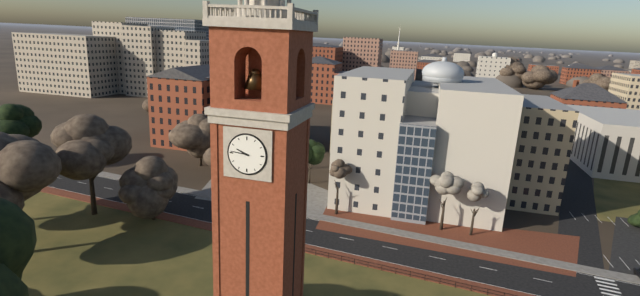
9:46
